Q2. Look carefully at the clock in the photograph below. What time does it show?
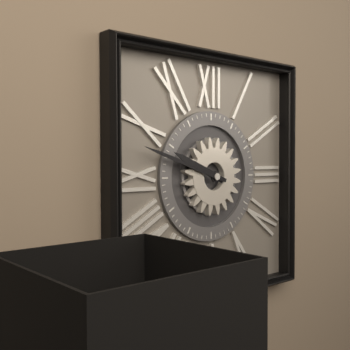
9:48
